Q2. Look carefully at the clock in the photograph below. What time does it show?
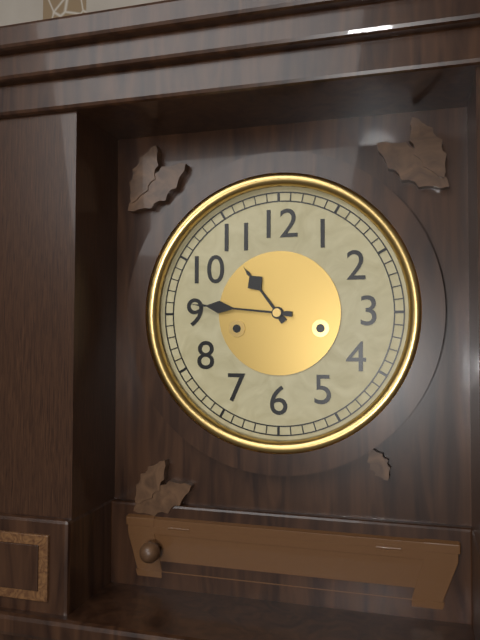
10:46
